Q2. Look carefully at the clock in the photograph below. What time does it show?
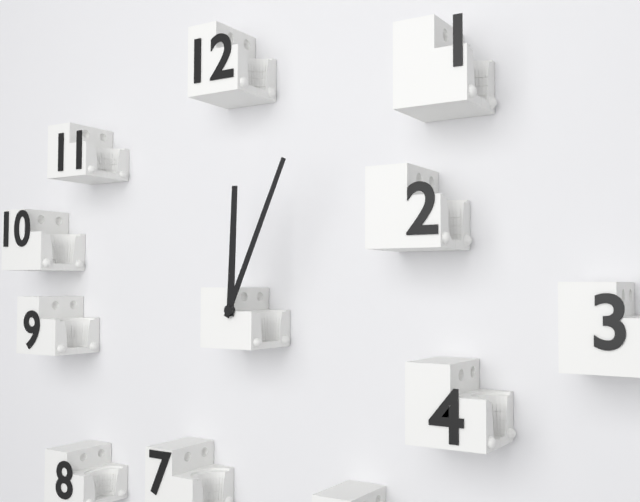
12:04
